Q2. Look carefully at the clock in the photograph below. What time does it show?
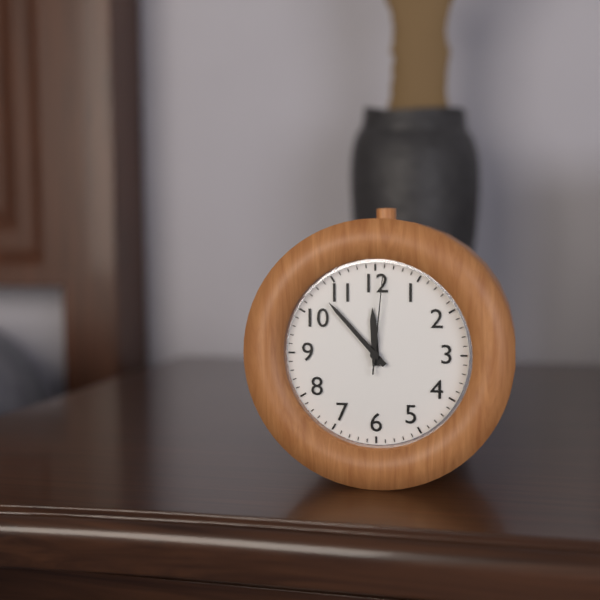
11:53:01
